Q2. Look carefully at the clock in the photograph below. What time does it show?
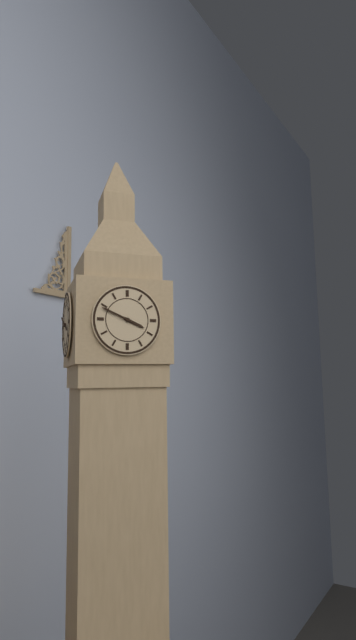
3:49
